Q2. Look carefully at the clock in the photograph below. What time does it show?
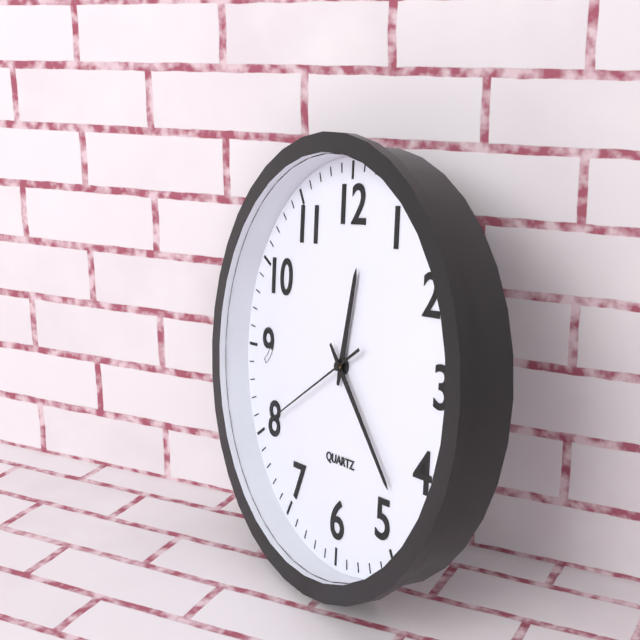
12:23:40
